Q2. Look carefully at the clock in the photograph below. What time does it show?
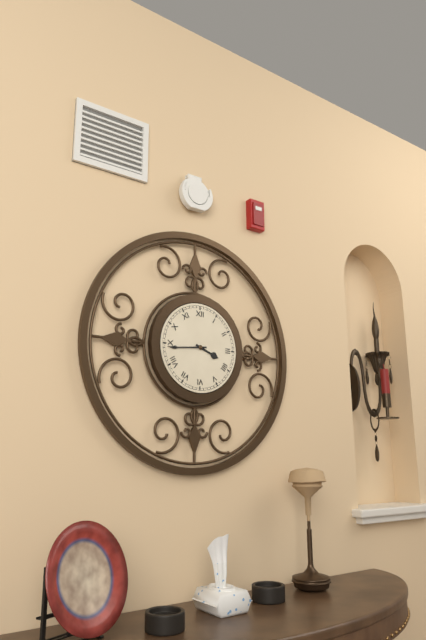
3:44
